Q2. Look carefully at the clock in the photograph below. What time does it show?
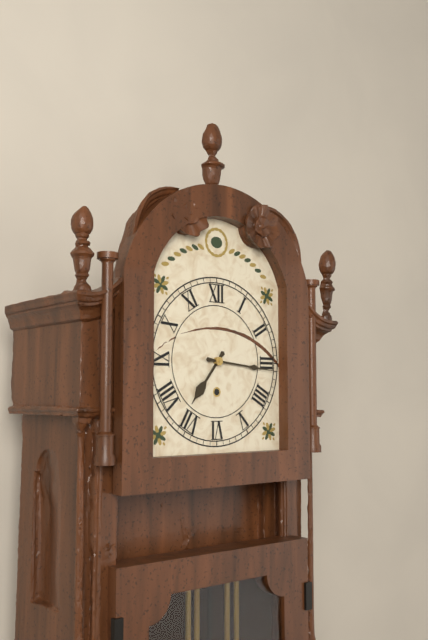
7:16
